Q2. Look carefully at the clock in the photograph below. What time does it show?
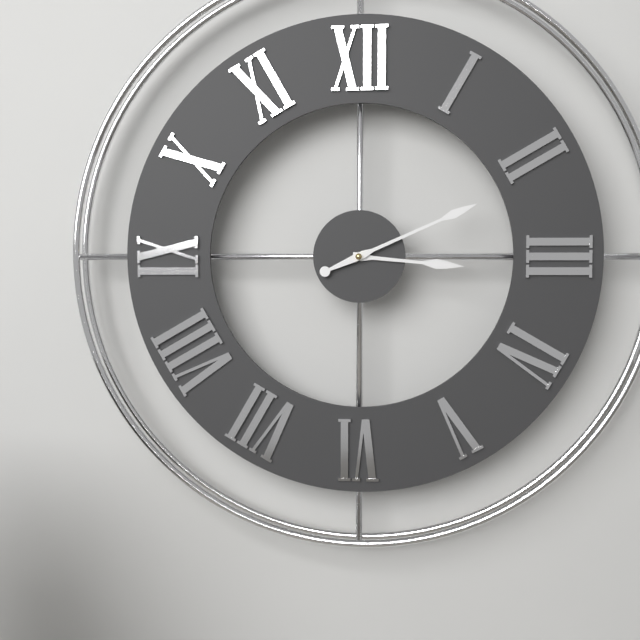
3:11
